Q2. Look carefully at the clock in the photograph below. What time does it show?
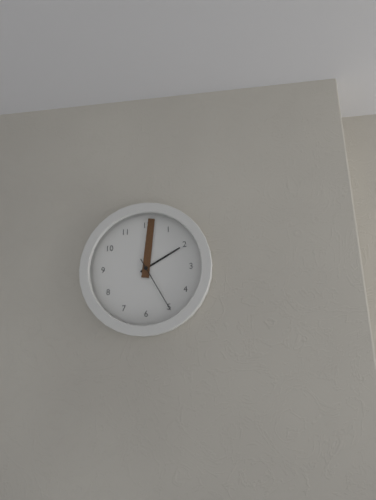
2:01:25
